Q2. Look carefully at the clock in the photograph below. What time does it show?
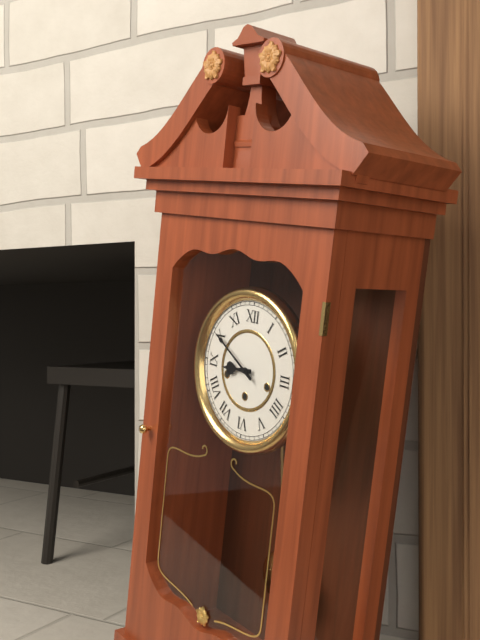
8:50
